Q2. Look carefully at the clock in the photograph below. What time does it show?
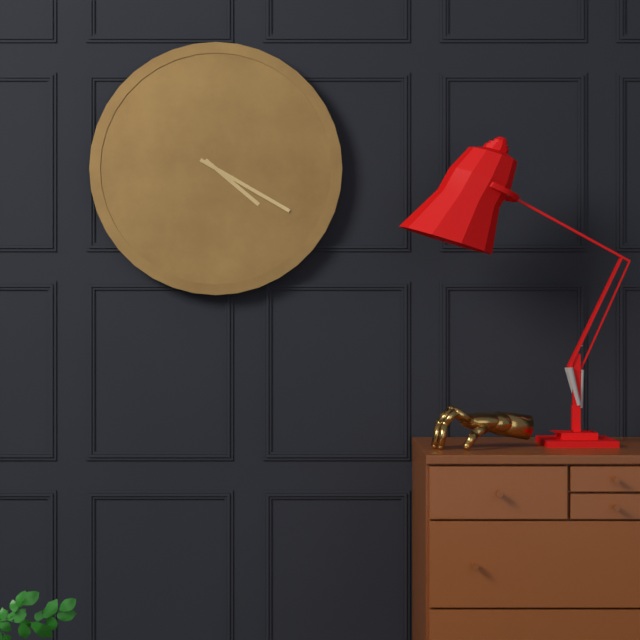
4:20
